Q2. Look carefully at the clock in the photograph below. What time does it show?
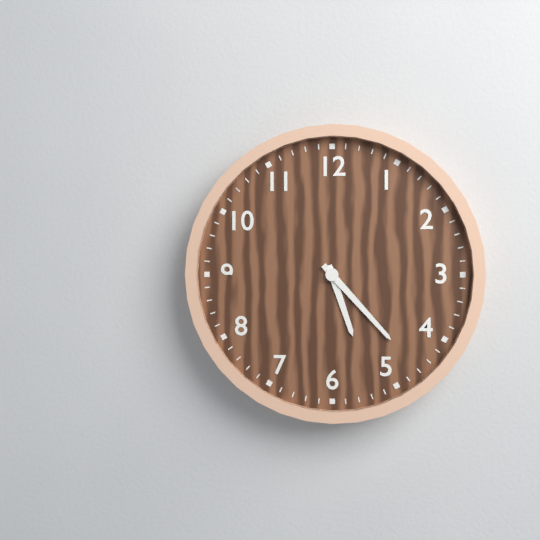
5:23
